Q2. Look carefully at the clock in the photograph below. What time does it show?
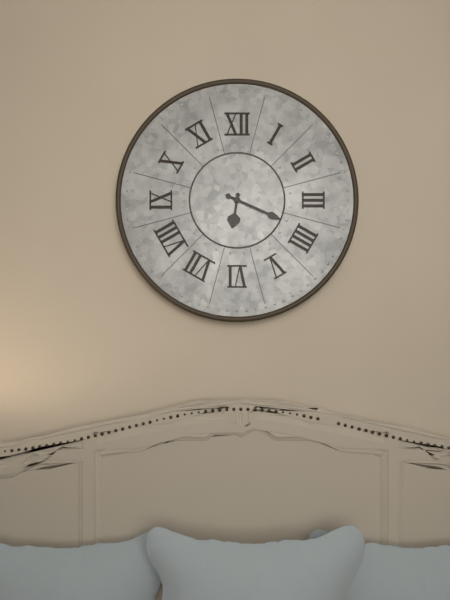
6:19
